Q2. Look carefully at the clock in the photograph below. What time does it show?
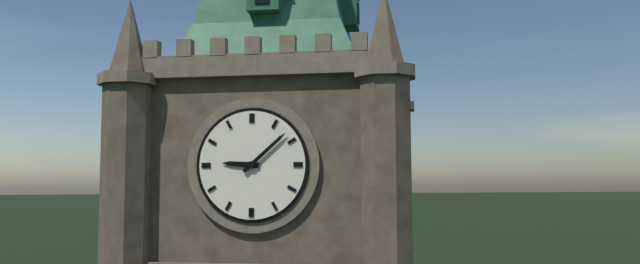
9:08
